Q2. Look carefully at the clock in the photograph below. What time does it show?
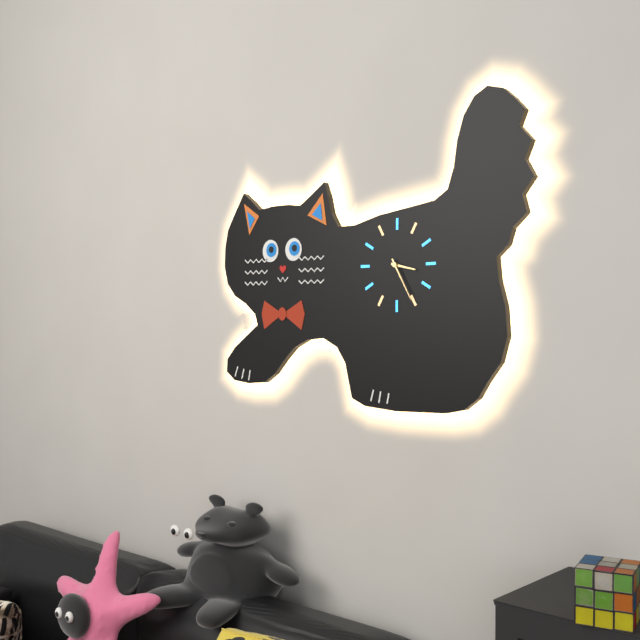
3:25
